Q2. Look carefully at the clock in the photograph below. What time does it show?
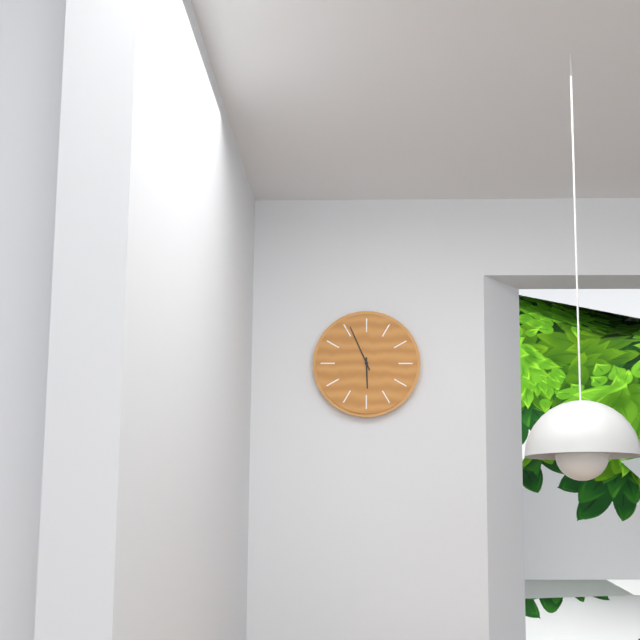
5:56
